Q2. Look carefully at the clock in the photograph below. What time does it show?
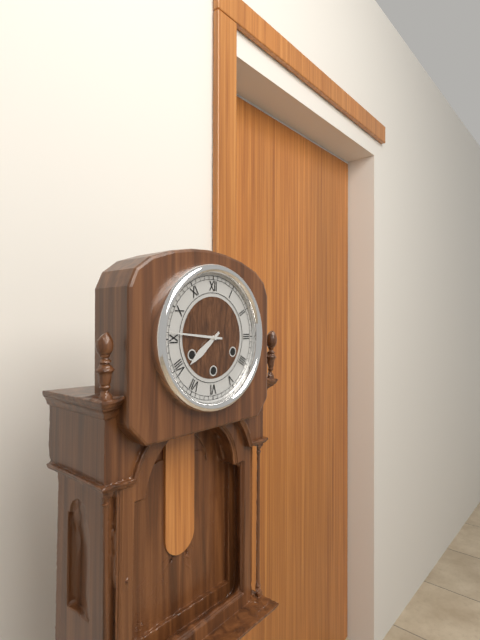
7:46
